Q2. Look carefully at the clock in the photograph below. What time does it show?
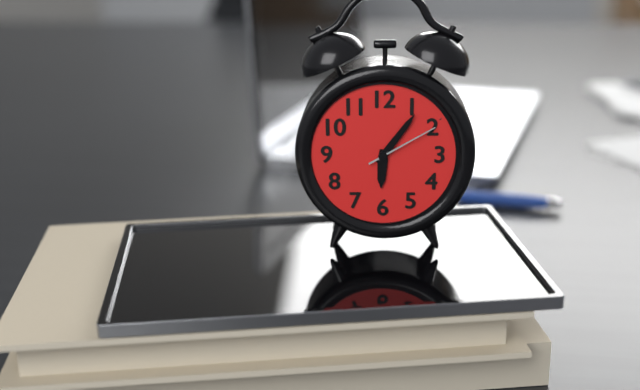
6:06:10
